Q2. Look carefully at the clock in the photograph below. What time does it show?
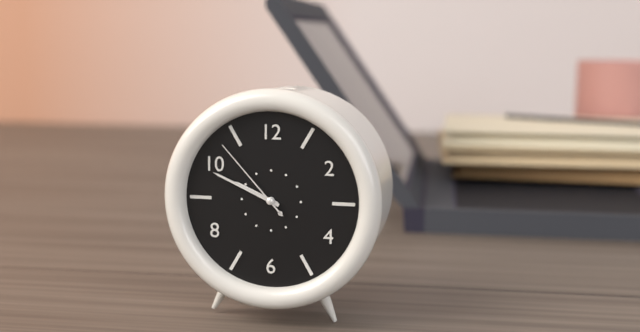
9:49:53
